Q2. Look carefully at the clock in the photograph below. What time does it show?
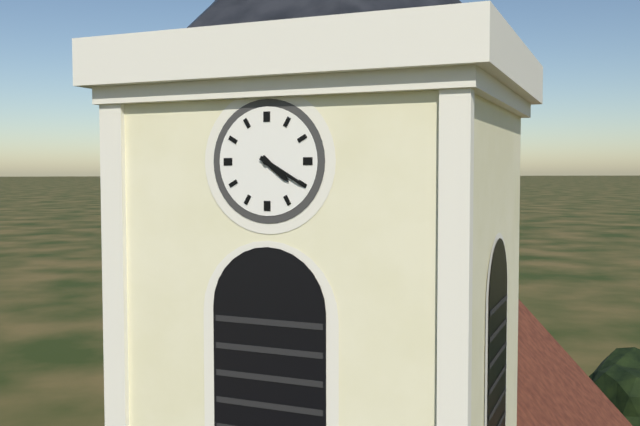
4:20
